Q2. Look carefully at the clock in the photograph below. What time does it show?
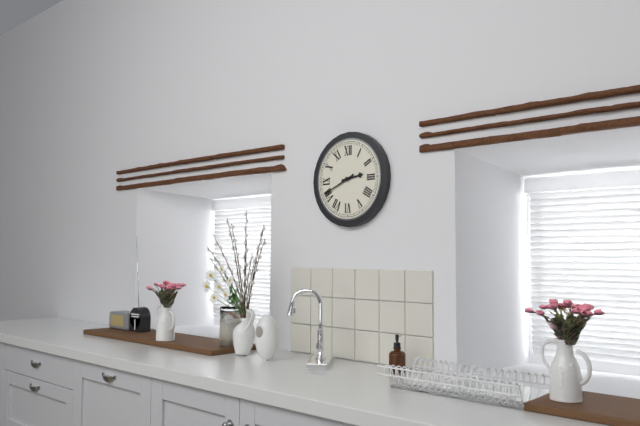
2:41
